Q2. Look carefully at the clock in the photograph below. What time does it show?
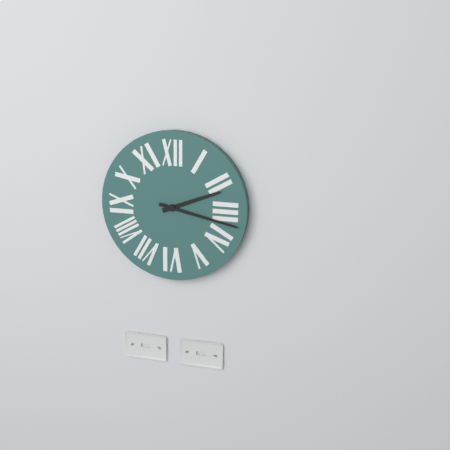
2:17
